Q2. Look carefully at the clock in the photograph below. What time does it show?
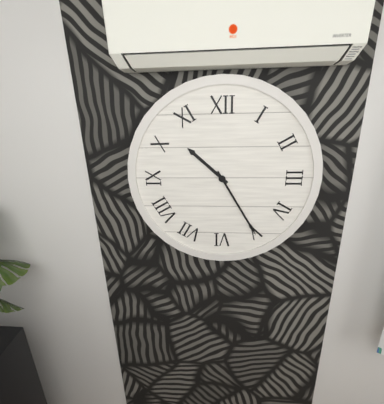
10:25
